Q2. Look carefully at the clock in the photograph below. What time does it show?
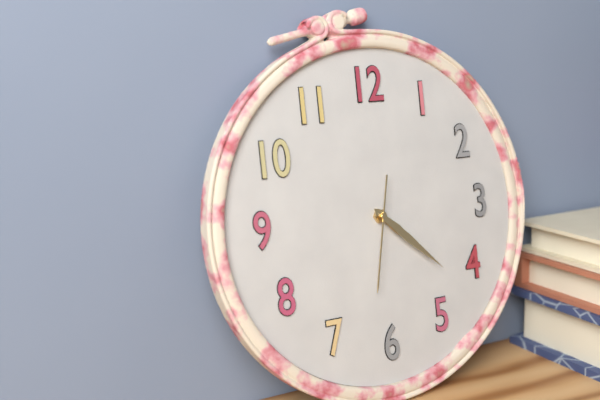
4:22:32
